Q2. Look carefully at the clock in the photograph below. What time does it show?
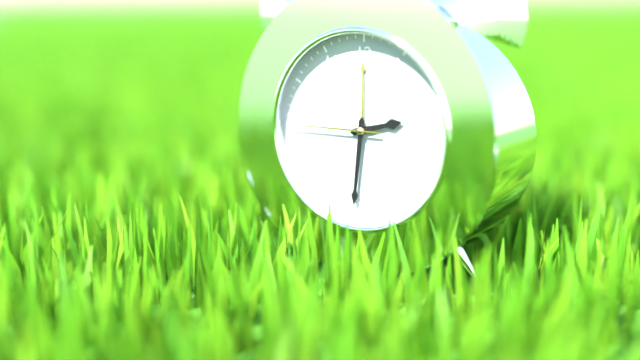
2:31:45
